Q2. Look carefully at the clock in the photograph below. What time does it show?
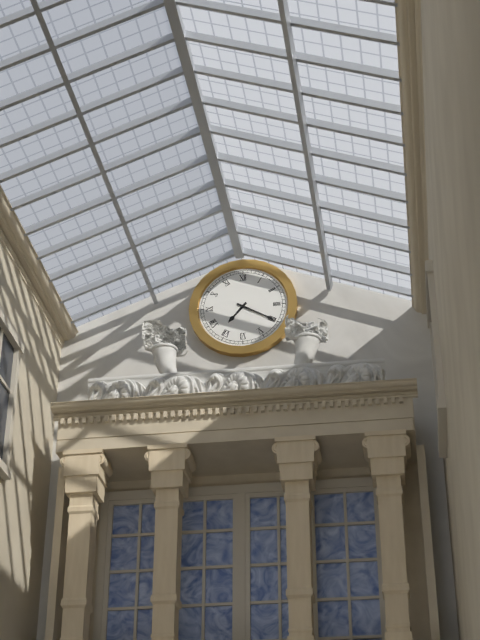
7:20
